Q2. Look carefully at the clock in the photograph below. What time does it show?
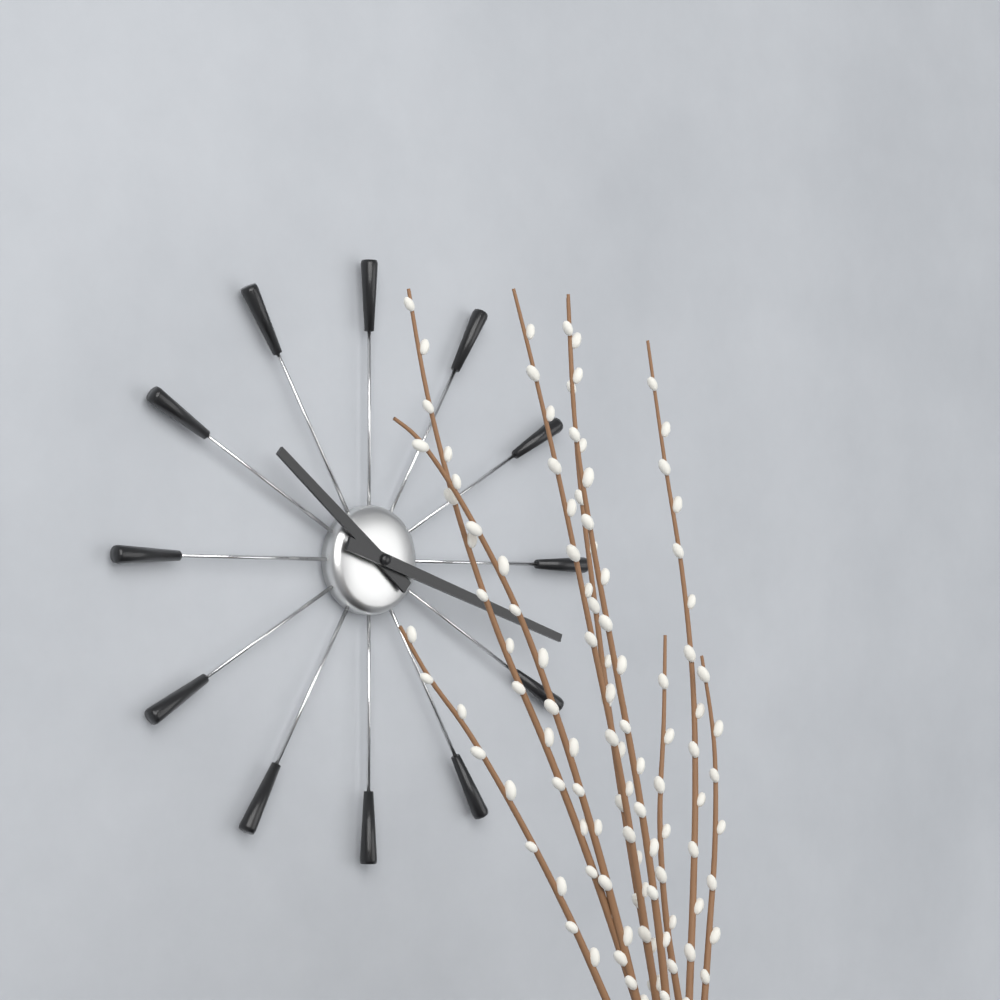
10:18
